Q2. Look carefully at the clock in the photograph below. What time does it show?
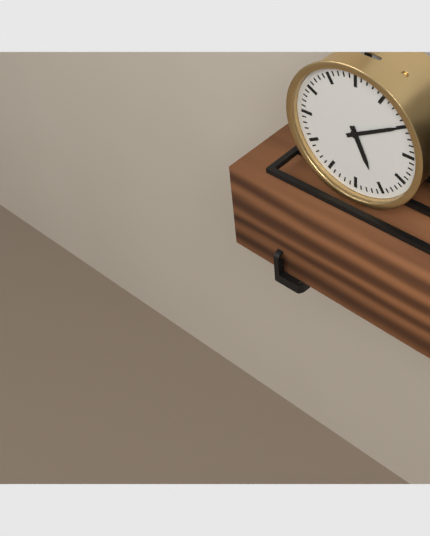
5:10
